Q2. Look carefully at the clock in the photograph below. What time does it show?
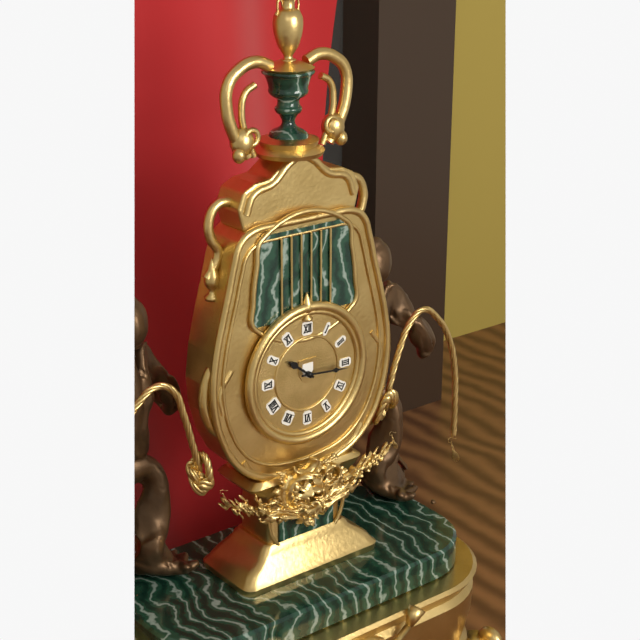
10:16
